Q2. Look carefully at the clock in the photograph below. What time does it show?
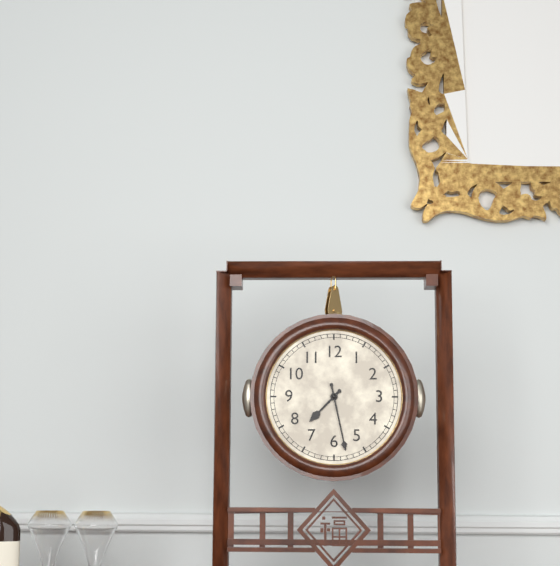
7:28
